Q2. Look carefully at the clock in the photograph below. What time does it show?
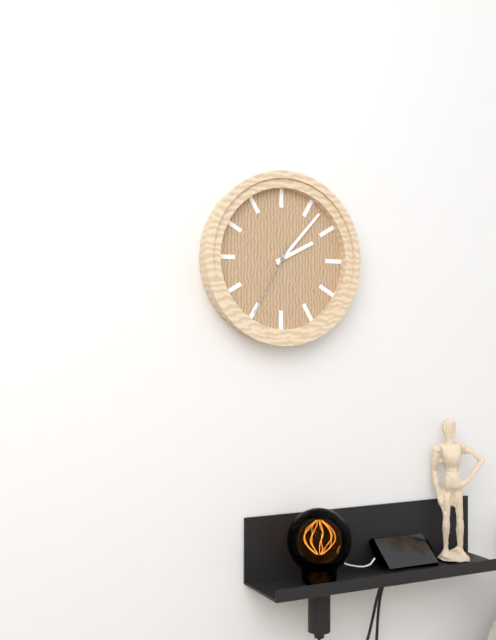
2:07:35
